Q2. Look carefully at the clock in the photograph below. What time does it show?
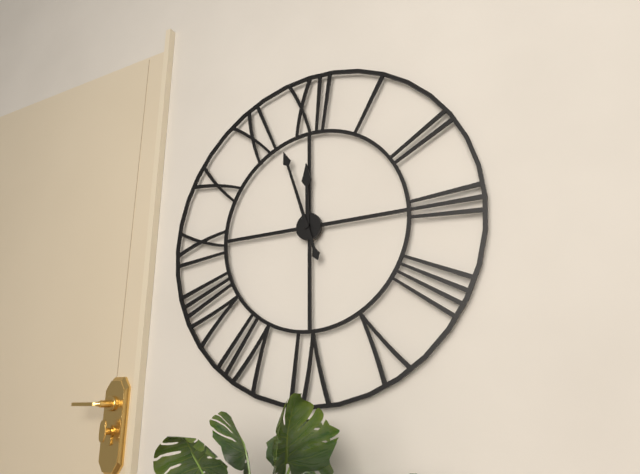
11:57
